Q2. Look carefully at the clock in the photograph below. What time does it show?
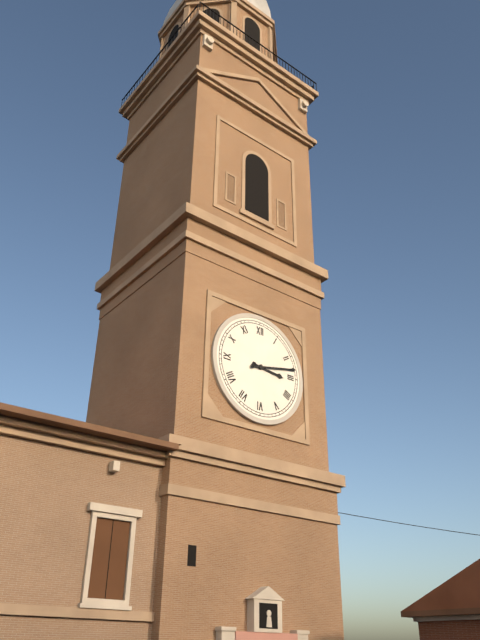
3:13
